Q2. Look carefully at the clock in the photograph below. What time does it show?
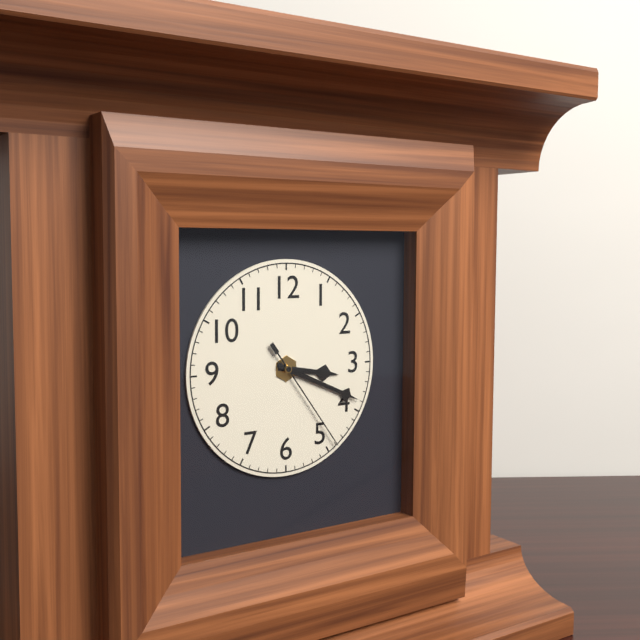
3:19:24
